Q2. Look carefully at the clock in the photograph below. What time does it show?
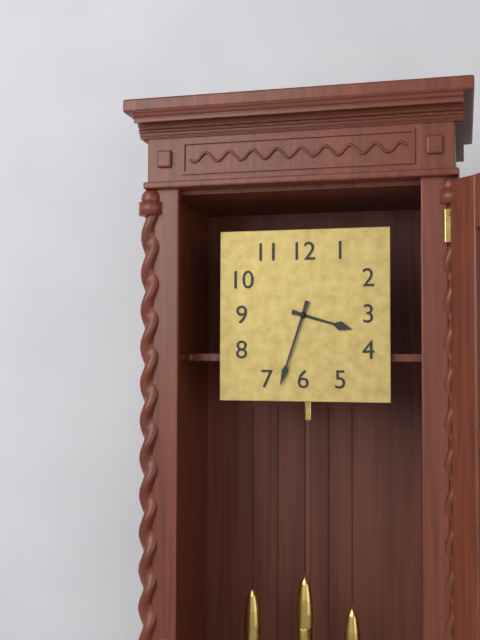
3:33
